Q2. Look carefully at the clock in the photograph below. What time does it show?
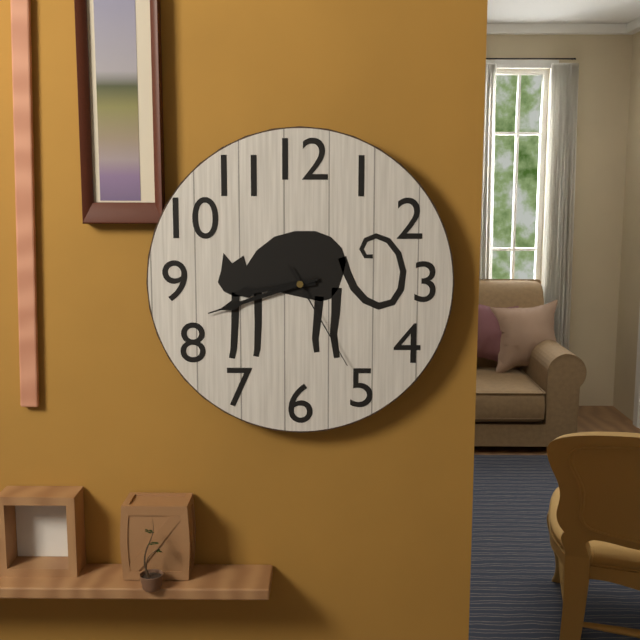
8:42:25
